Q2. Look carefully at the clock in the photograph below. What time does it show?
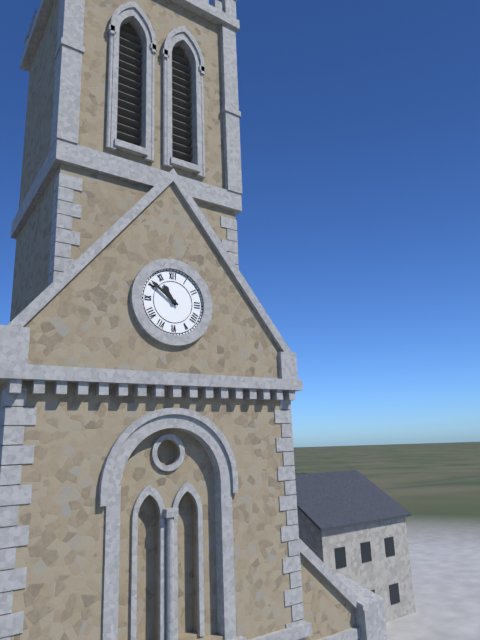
10:51
